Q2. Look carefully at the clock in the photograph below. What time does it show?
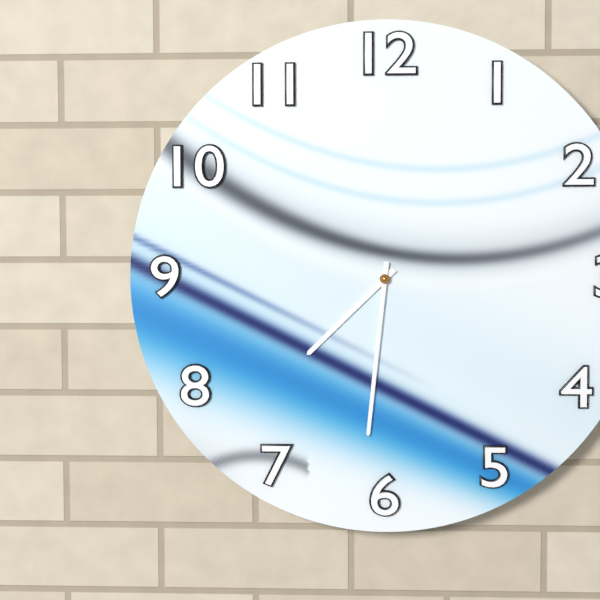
7:31
